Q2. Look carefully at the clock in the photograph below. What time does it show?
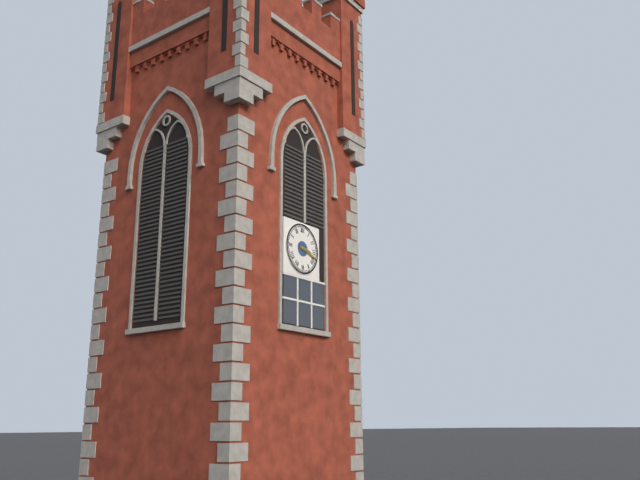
3:18
